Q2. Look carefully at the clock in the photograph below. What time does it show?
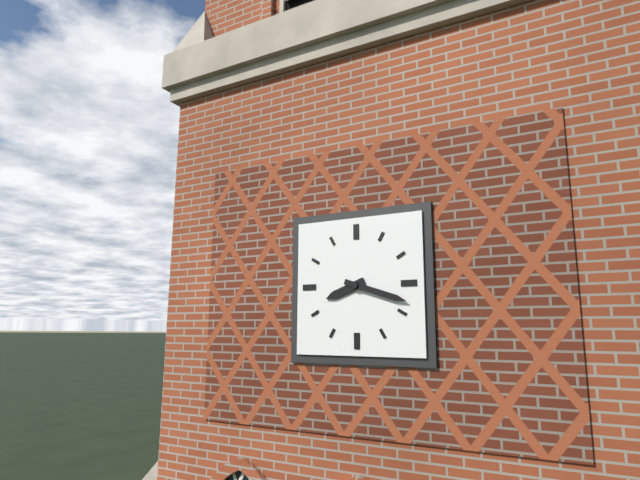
8:18
